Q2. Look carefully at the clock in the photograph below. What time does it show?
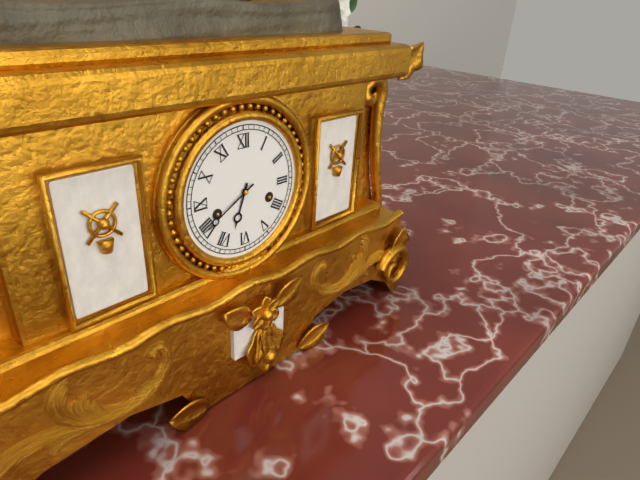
6:40
